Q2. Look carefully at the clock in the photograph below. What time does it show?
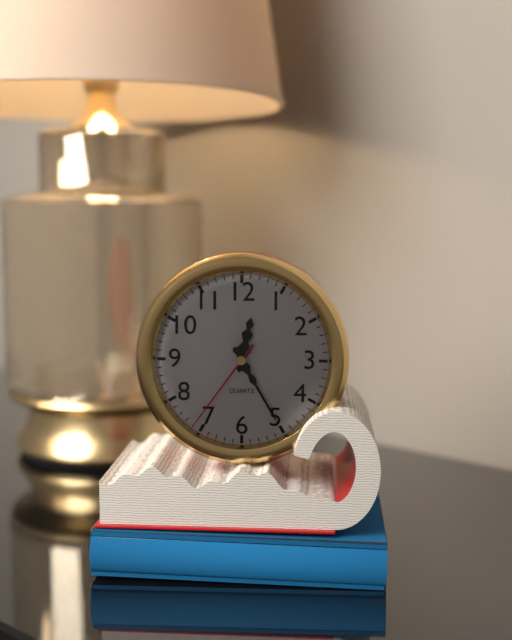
12:25:36
